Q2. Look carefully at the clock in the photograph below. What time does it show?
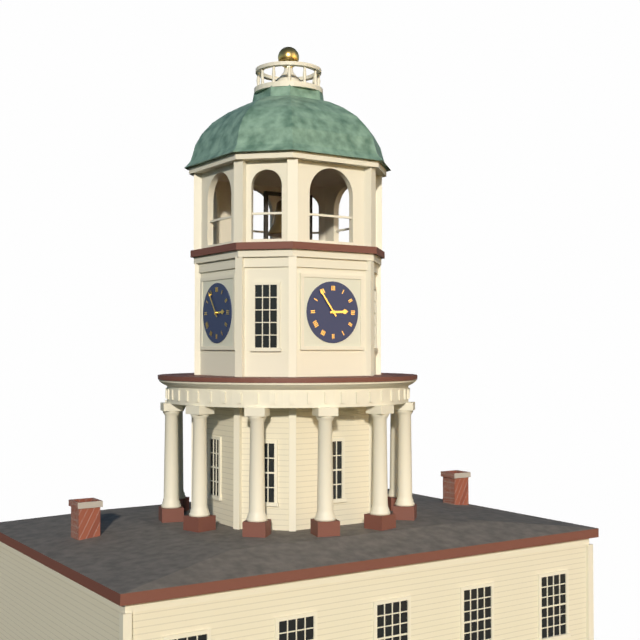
2:54
